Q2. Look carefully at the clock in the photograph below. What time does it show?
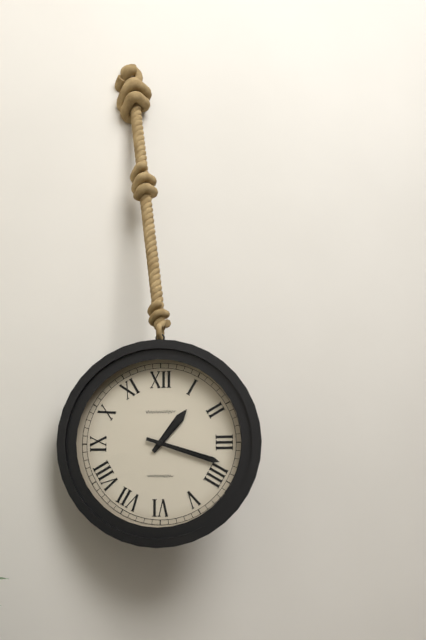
1:18
